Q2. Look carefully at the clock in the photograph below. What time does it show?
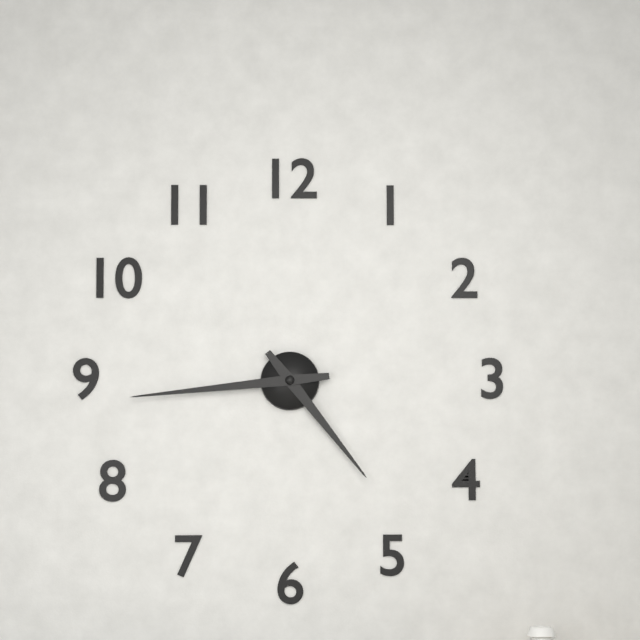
4:44
